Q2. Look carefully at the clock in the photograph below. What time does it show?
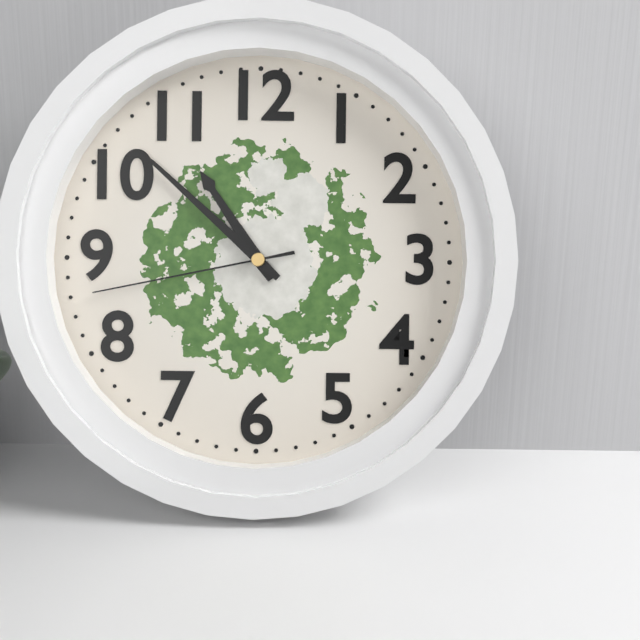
10:52:43
